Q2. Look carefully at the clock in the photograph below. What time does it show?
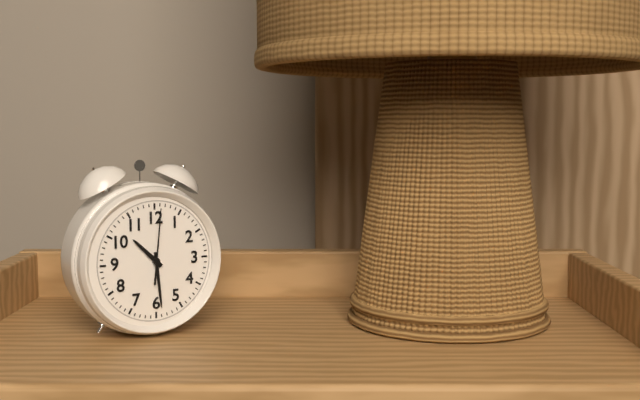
10:29:01
